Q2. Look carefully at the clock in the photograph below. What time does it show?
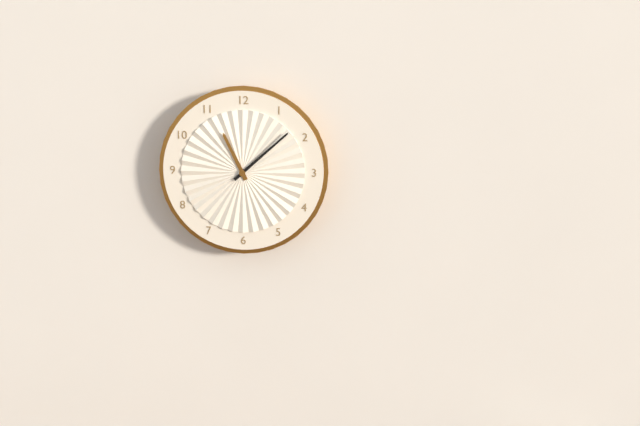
11:08
